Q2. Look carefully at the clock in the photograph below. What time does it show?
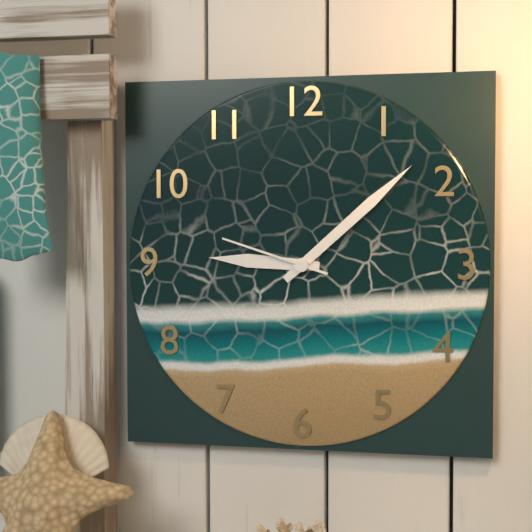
9:08:48
